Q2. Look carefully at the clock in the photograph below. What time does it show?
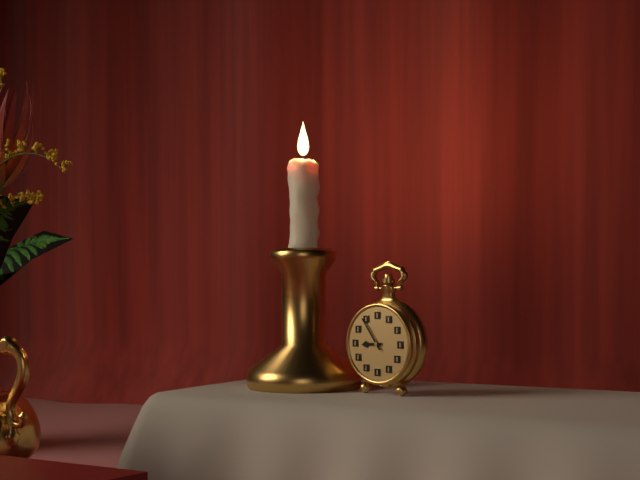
8:54
